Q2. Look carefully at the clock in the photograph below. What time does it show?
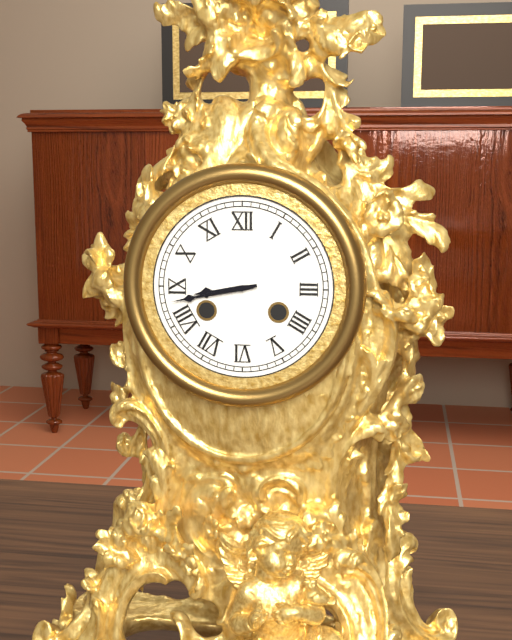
8:43
